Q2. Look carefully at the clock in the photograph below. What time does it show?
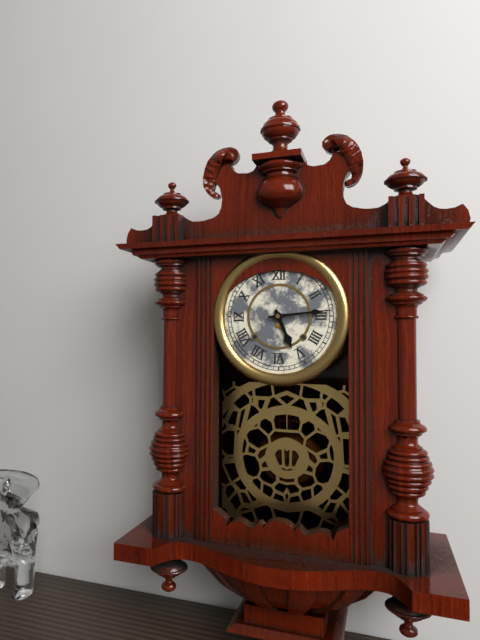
5:14
